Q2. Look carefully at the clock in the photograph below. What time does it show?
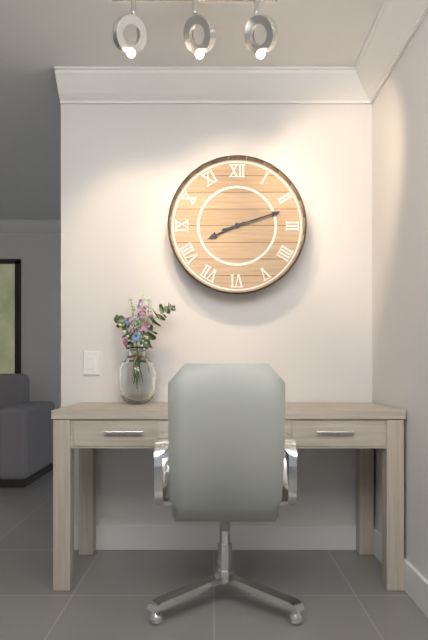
8:12
